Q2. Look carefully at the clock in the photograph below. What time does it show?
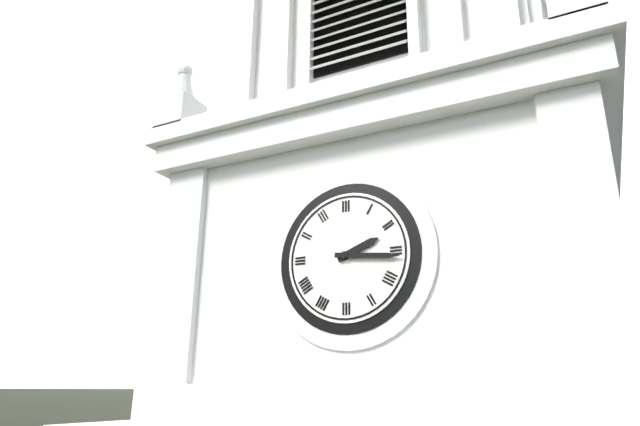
2:16
